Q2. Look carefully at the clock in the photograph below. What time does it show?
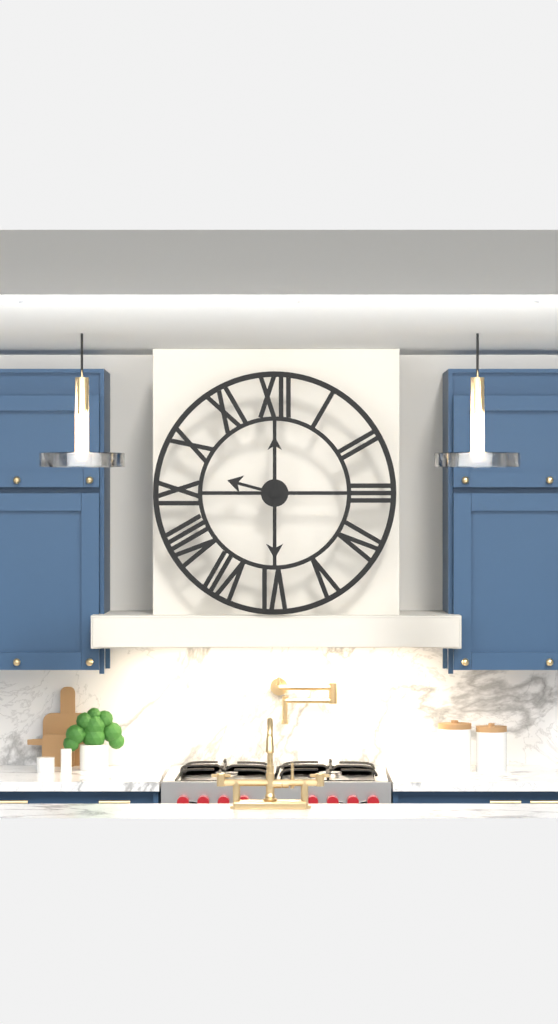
9:30
